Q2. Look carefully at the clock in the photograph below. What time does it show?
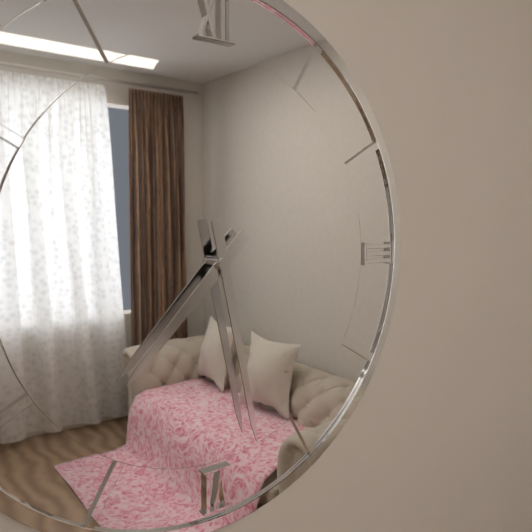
7:28
